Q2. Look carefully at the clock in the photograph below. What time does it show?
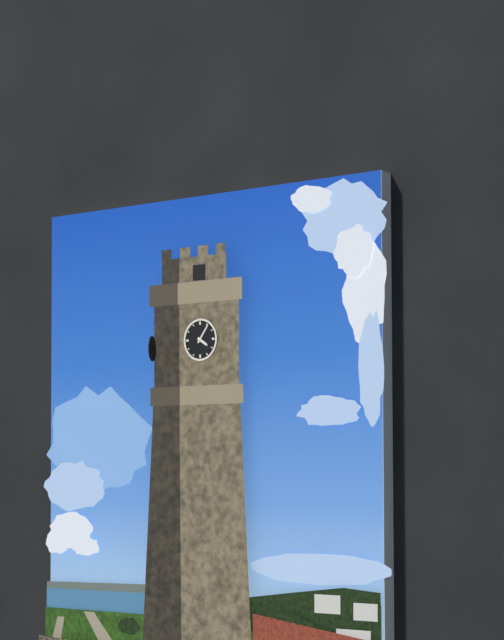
4:06
